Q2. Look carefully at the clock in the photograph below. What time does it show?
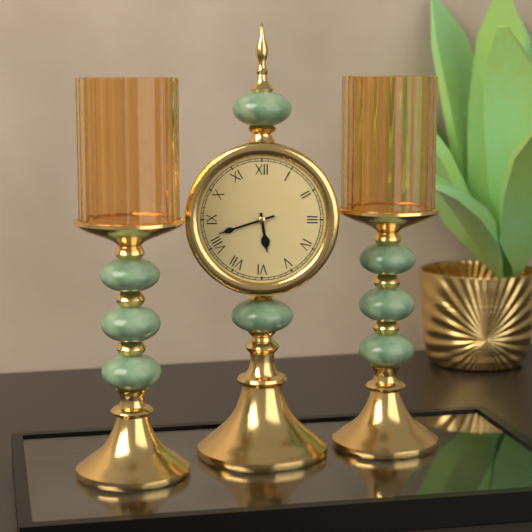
5:42
